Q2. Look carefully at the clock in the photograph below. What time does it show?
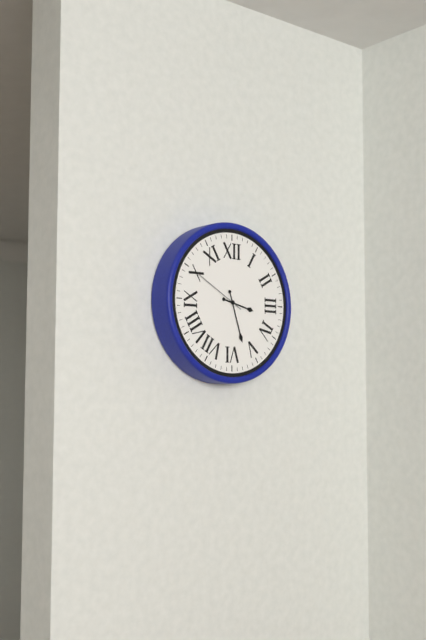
3:27:50
